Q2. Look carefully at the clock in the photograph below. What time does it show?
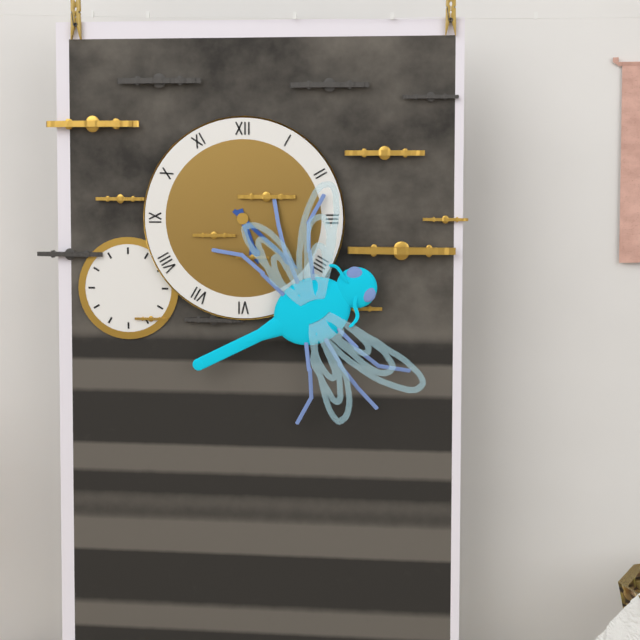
5:22
